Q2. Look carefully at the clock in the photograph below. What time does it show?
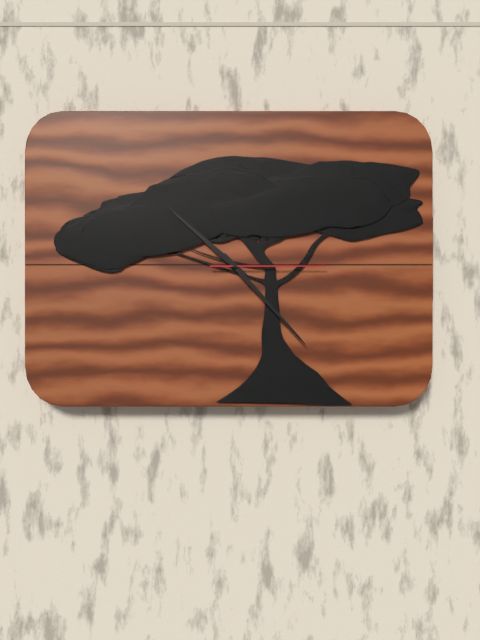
10:23:15
